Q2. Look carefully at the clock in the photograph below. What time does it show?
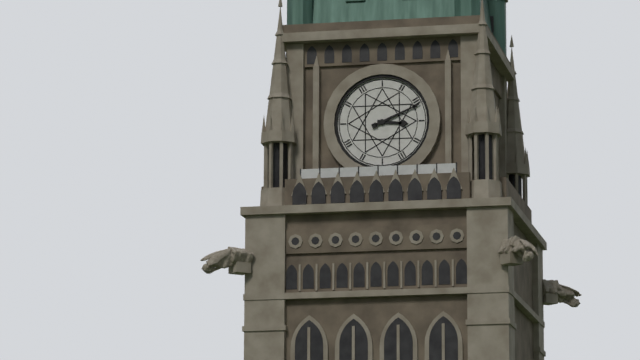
3:11
